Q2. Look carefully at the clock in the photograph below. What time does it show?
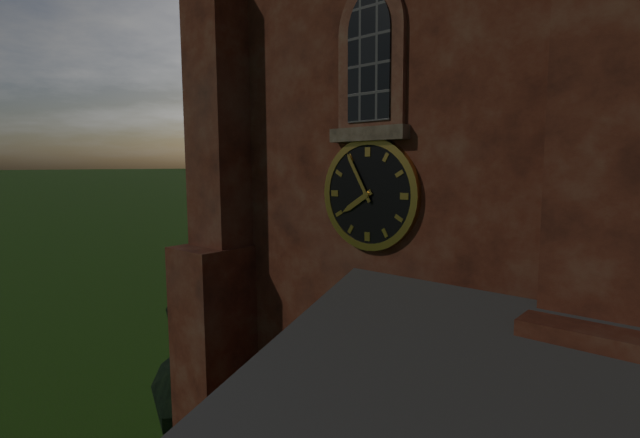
7:55
